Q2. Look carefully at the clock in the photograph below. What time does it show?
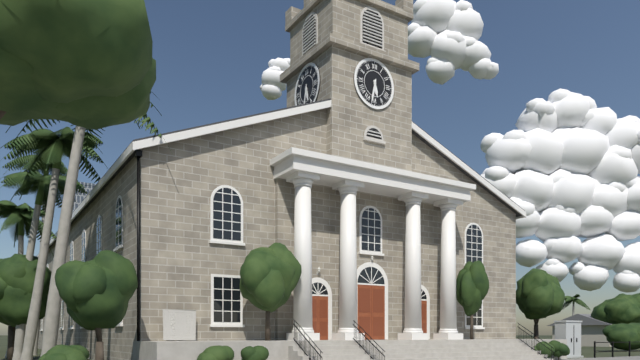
5:32
